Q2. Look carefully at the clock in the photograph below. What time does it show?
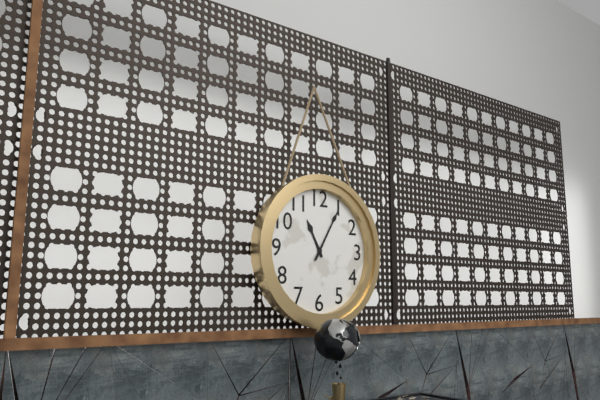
11:05
